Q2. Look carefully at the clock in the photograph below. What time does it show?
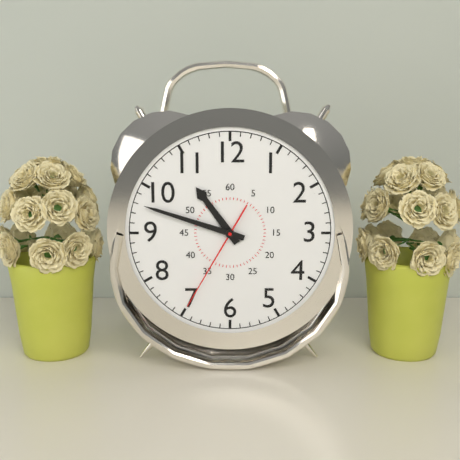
10:48:35
